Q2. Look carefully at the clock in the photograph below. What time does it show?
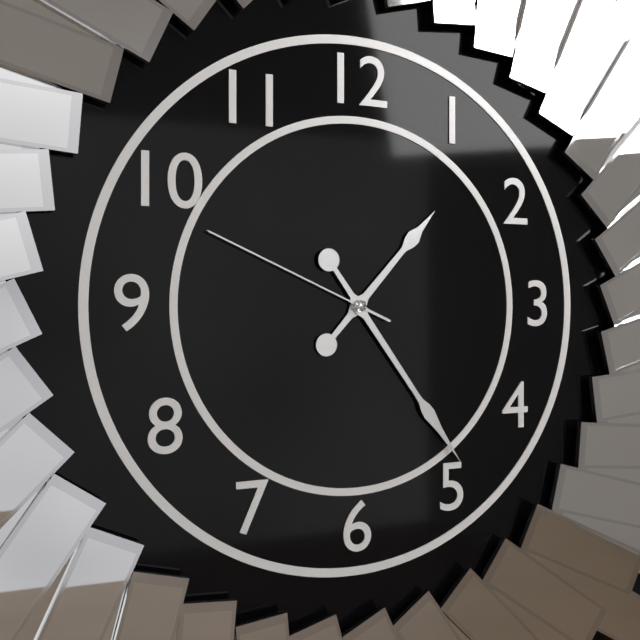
1:24:49
